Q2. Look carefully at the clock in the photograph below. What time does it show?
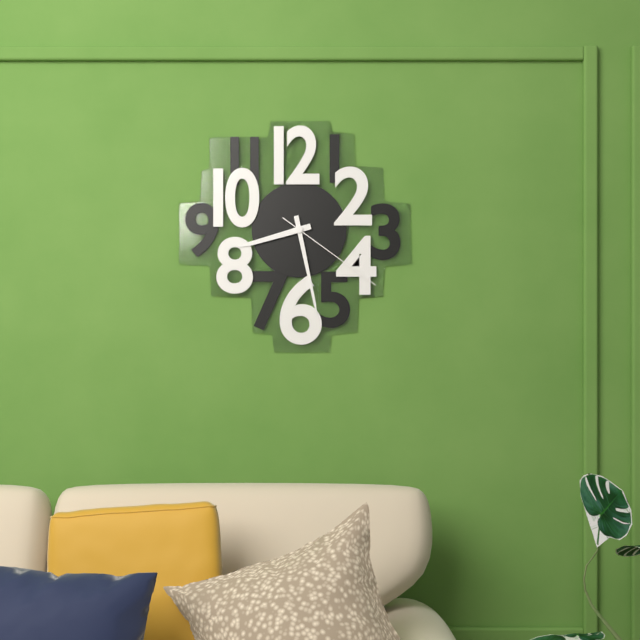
8:28:21
